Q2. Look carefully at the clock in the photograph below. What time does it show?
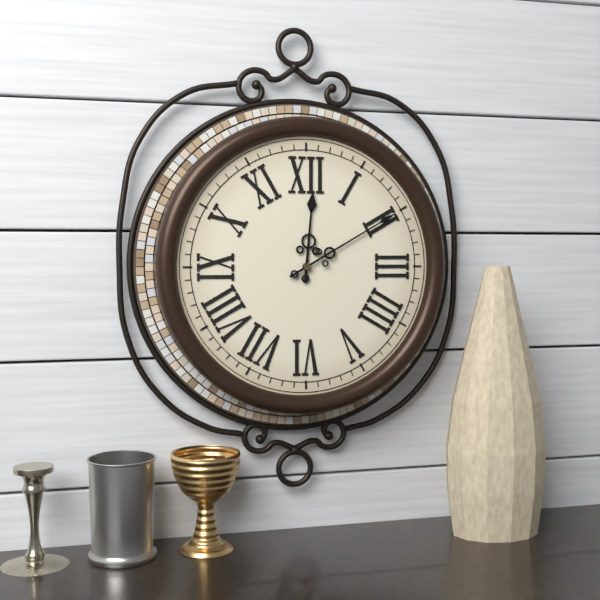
12:10
